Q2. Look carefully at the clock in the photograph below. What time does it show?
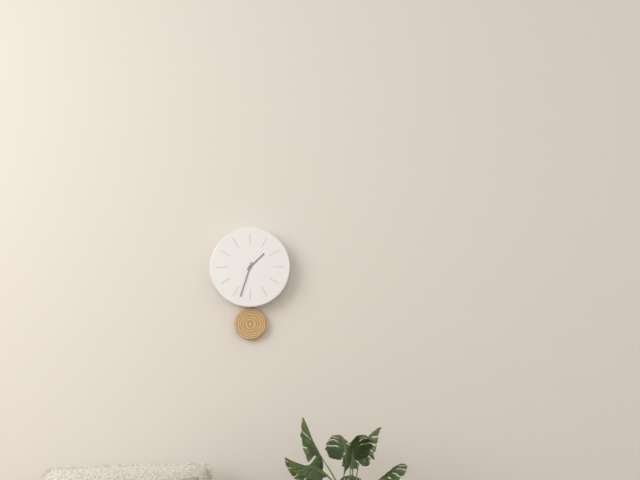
1:33
